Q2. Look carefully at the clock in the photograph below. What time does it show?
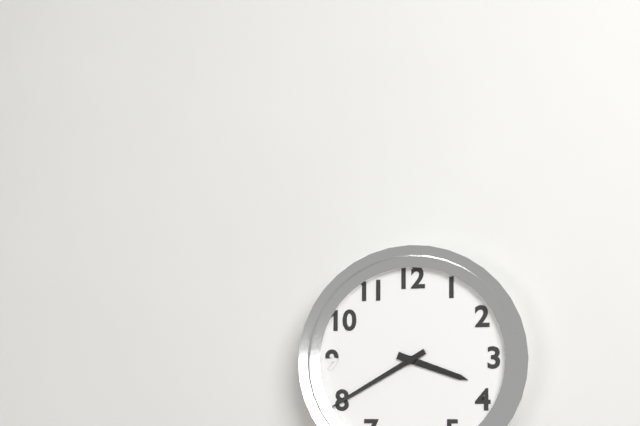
3:40
